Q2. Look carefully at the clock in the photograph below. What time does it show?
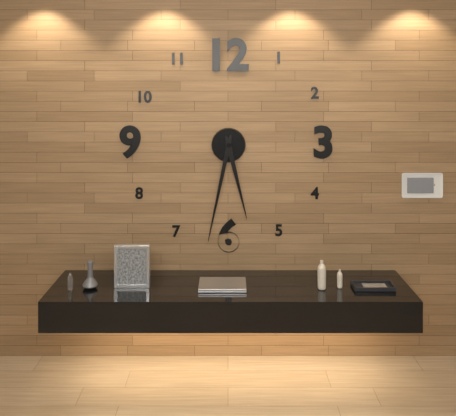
5:32
